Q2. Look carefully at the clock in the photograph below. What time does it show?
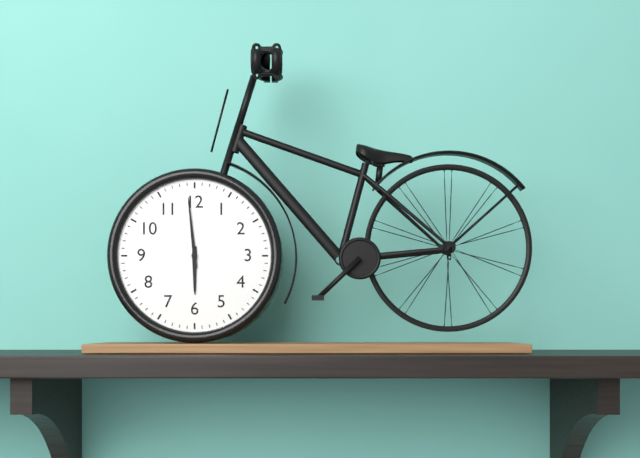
5:59
